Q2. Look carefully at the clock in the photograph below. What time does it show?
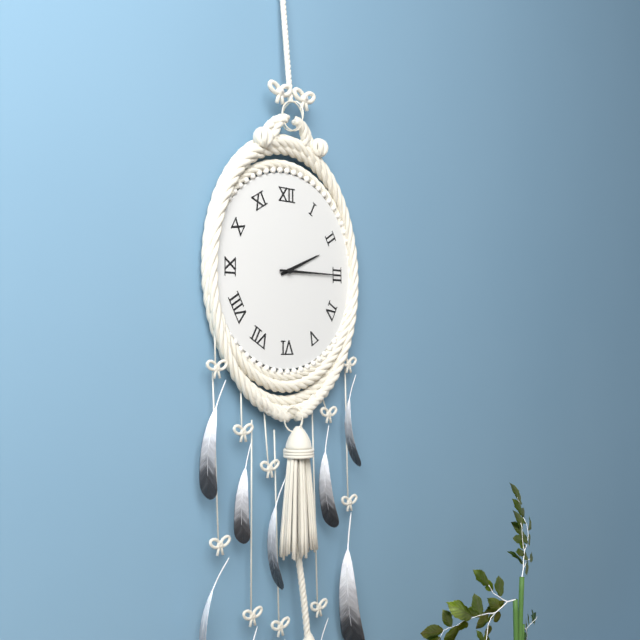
2:15
